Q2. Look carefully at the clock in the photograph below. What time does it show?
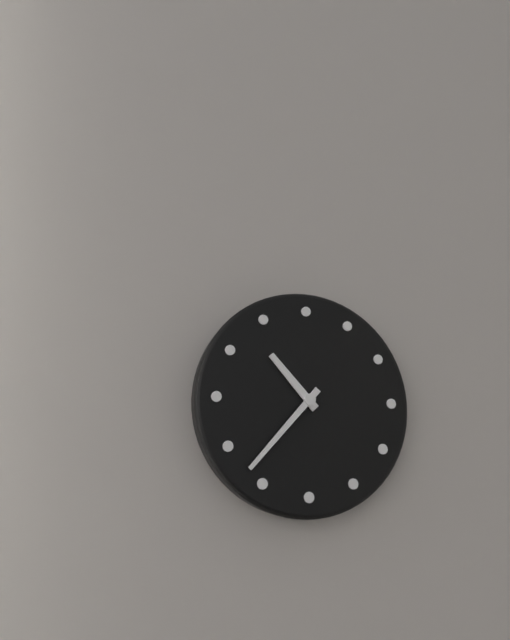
10:37
